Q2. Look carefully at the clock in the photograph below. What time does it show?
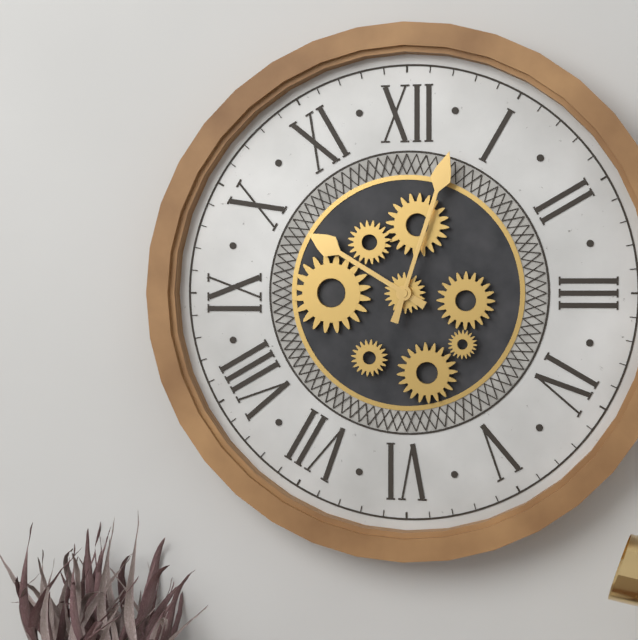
10:03
